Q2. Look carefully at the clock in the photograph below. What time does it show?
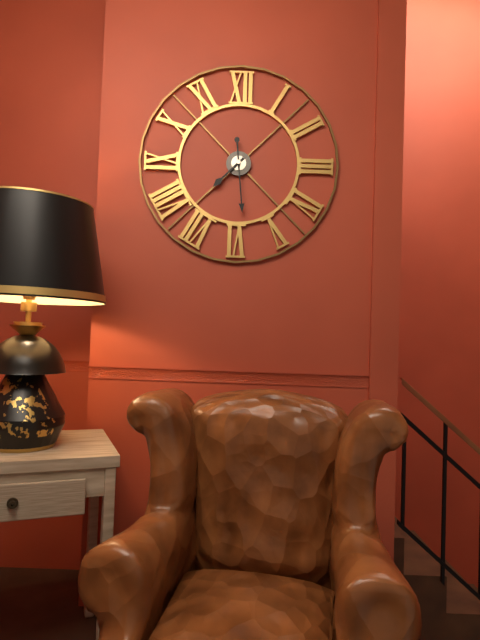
7:29
